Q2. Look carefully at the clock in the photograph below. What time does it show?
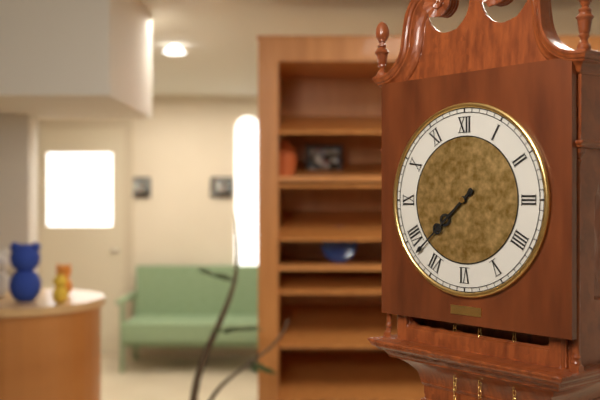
7:38
